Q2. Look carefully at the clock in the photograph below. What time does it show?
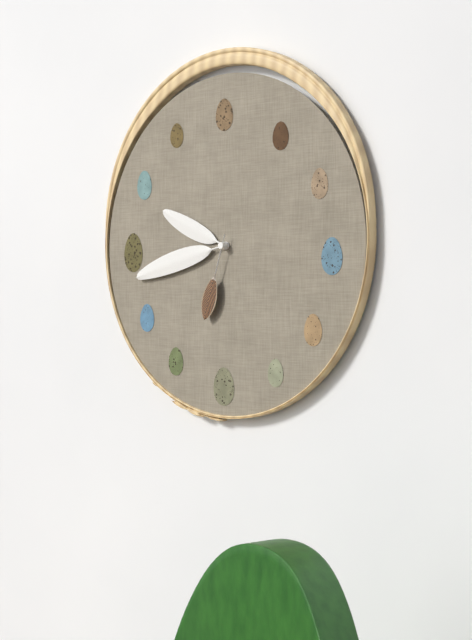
9:43:33
